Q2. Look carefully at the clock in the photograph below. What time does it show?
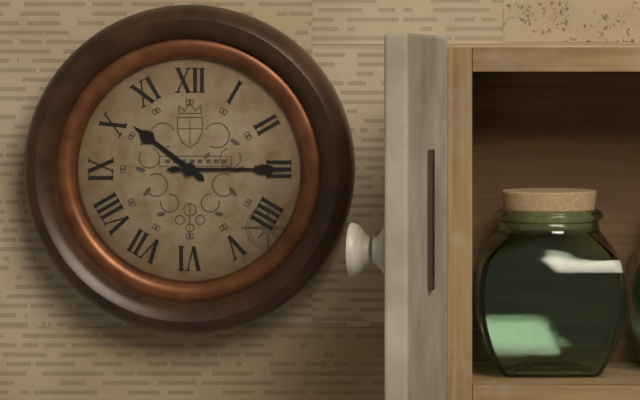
10:15
